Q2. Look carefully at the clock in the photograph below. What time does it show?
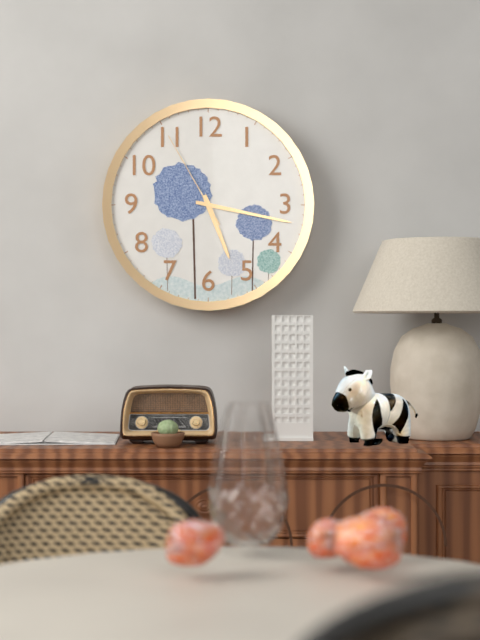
5:17:55
